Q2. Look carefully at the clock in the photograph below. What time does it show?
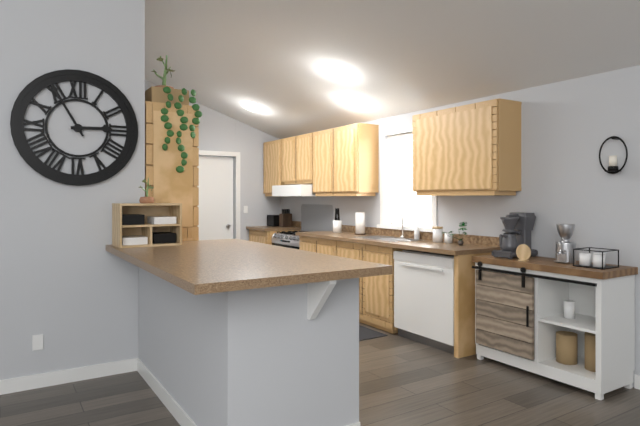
2:55
